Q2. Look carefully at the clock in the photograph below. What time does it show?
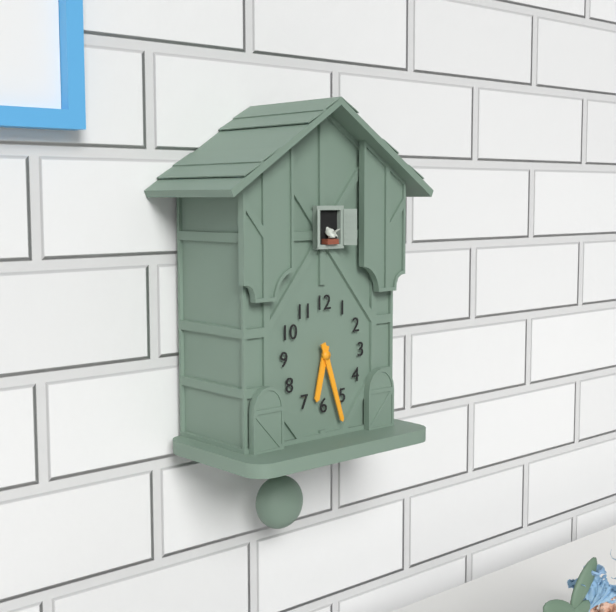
6:27
